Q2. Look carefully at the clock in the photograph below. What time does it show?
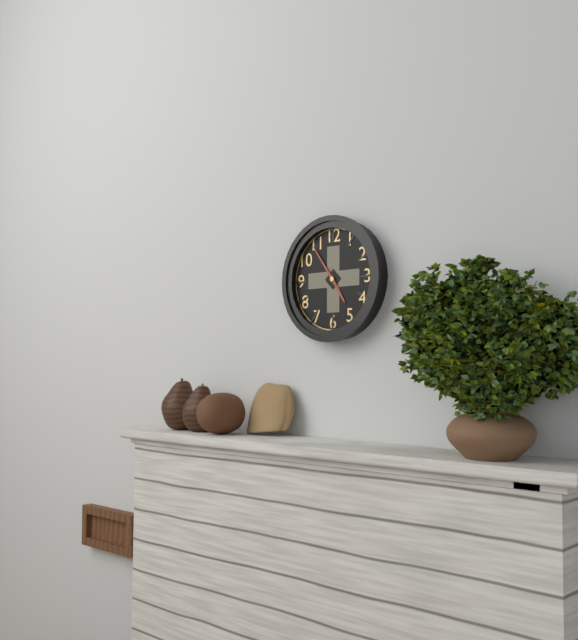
4:54
